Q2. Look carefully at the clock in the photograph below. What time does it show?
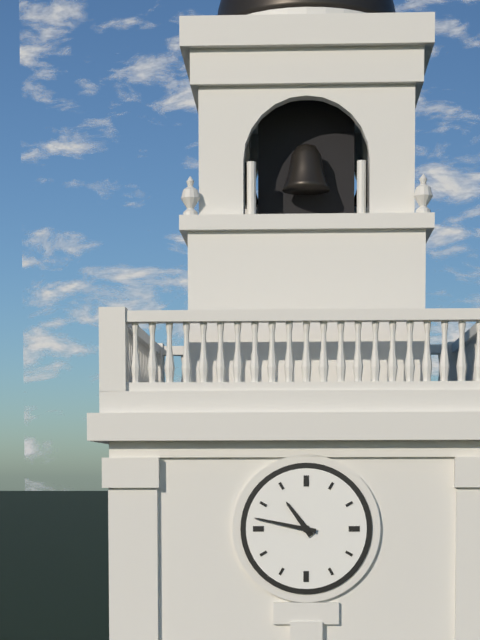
10:47
